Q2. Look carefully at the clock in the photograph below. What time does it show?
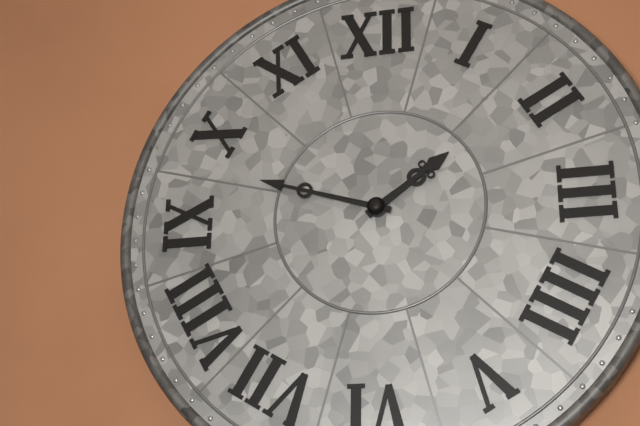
1:48
